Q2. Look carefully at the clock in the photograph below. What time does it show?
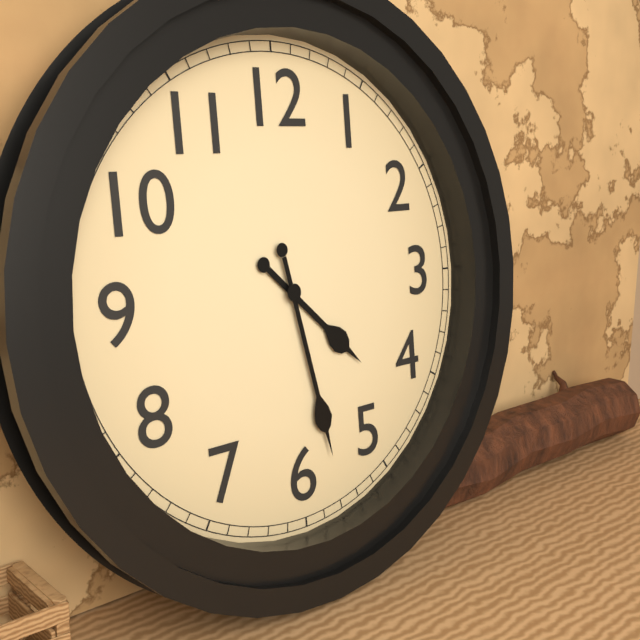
4:28
